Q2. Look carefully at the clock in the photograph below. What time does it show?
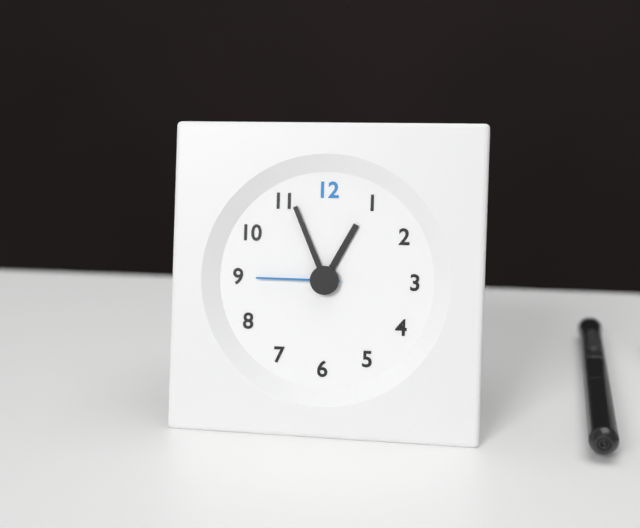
12:56:45
